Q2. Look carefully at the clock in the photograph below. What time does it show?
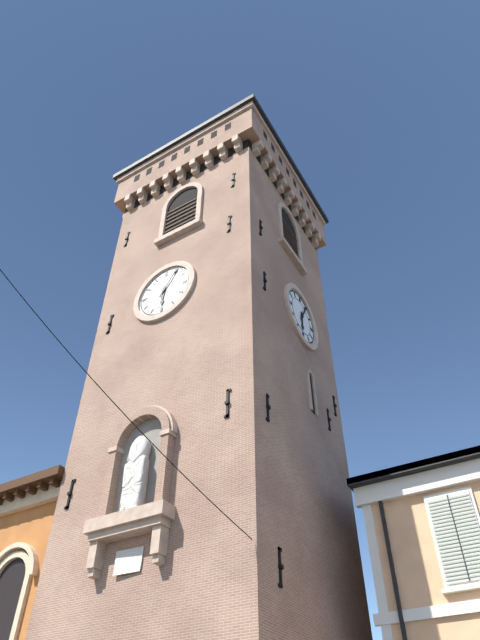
6:05
